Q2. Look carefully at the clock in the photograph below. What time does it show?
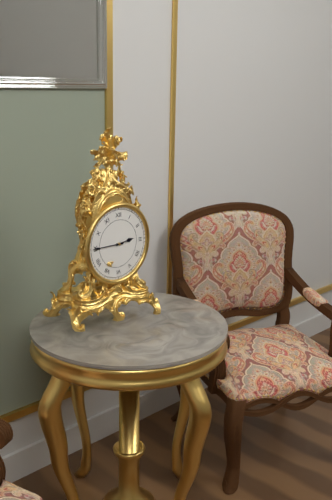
2:45
